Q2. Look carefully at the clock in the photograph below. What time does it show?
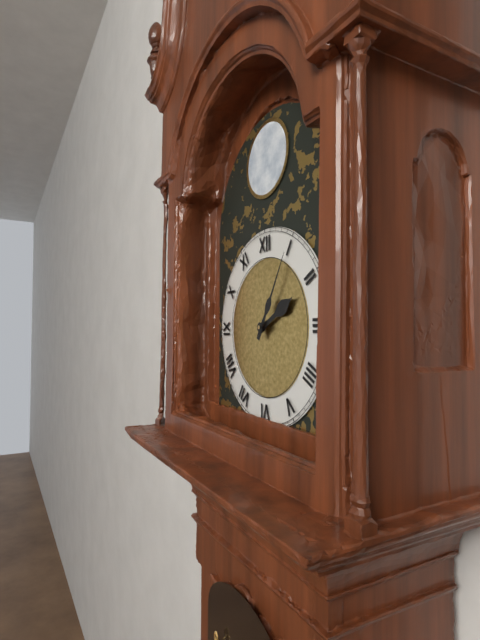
2:05
